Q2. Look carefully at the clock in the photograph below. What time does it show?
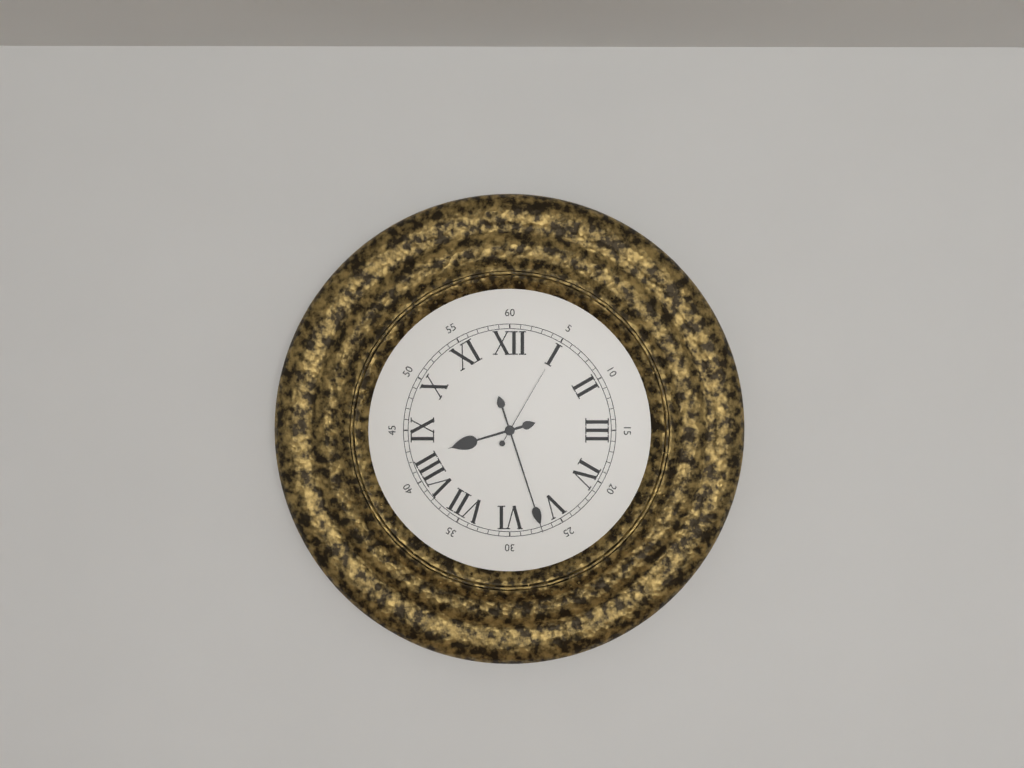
8:27:05
